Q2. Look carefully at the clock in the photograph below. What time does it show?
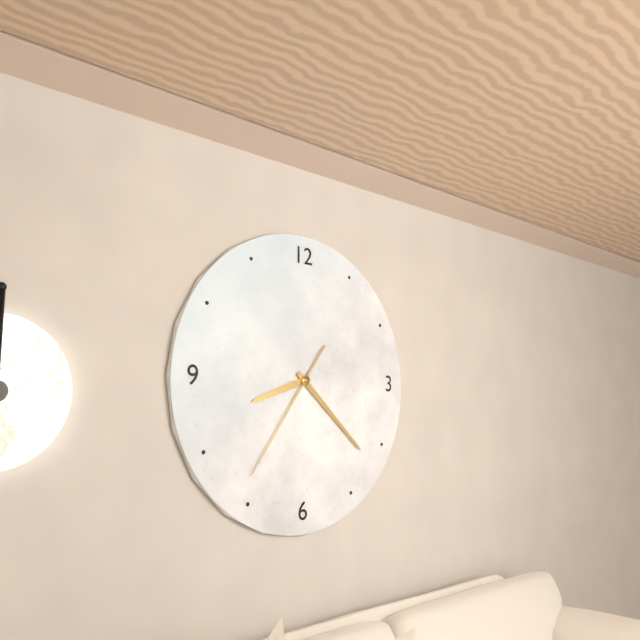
8:22:36
